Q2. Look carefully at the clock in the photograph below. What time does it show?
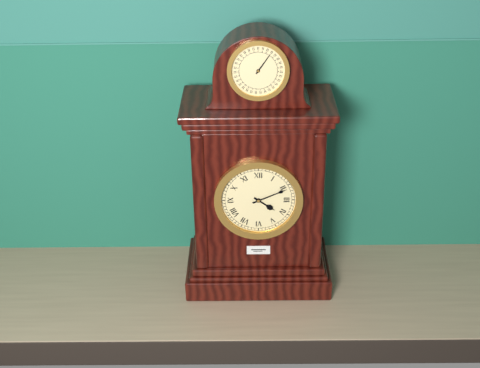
4:11
